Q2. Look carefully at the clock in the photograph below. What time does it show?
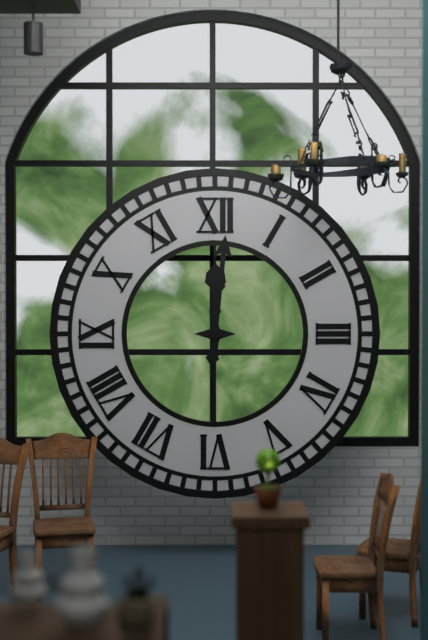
12:01
